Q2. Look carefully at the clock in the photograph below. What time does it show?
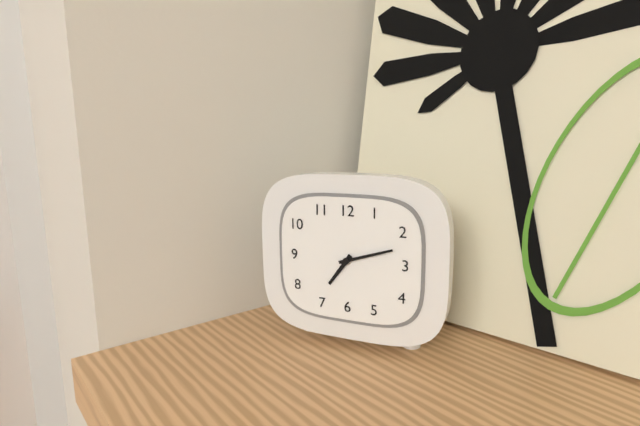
7:12
